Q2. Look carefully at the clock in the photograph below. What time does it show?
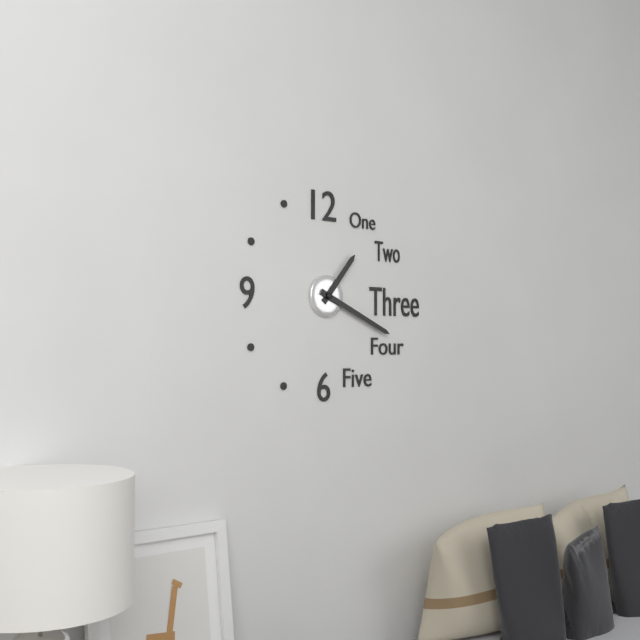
1:19
